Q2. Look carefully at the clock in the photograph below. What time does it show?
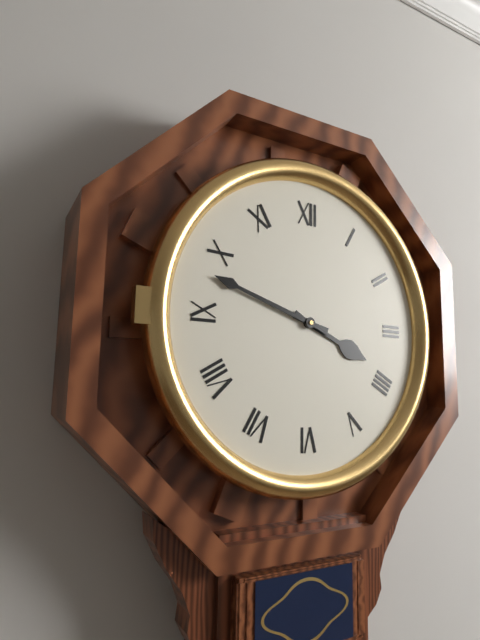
3:48
